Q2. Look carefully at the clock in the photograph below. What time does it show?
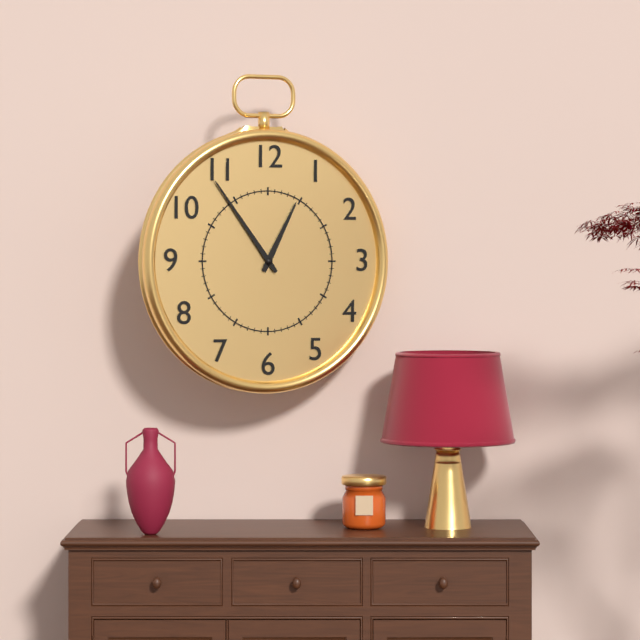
12:54
